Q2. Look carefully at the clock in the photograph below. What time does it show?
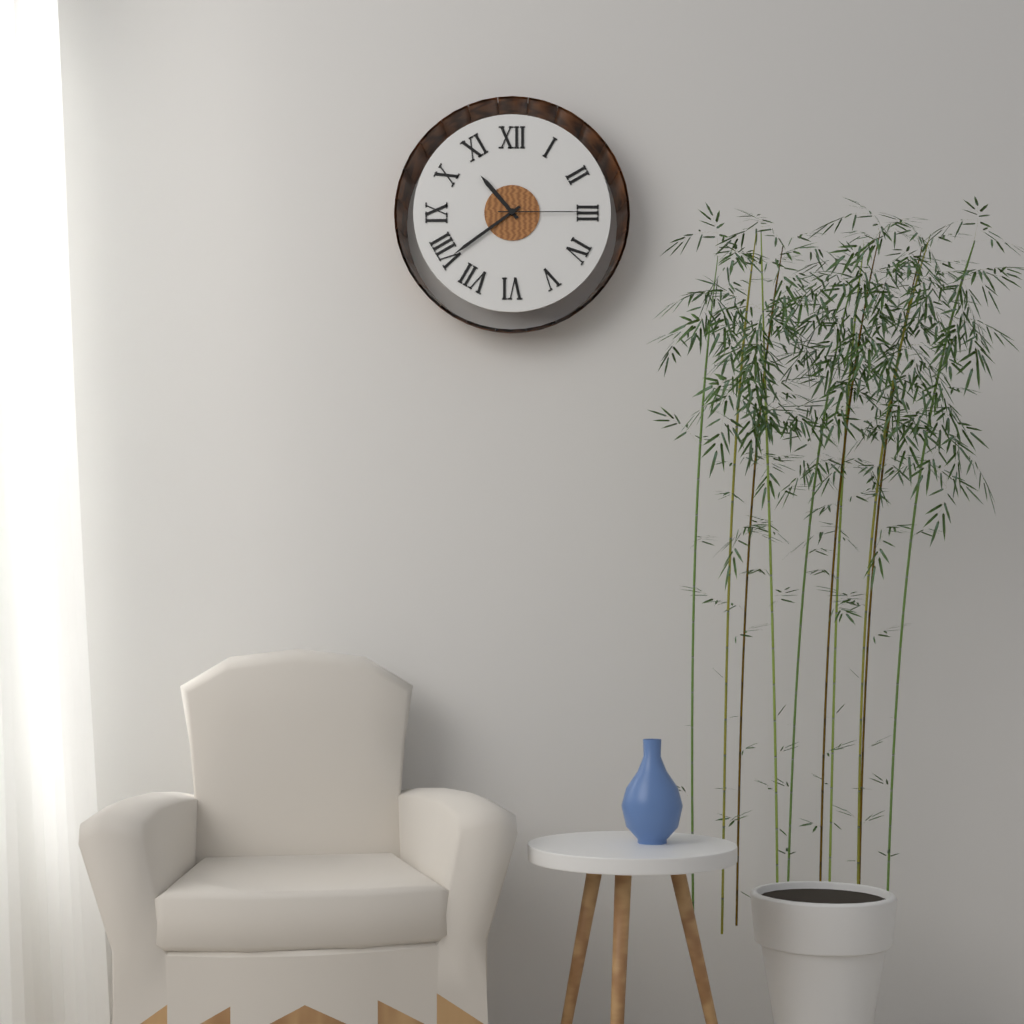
10:39:15
